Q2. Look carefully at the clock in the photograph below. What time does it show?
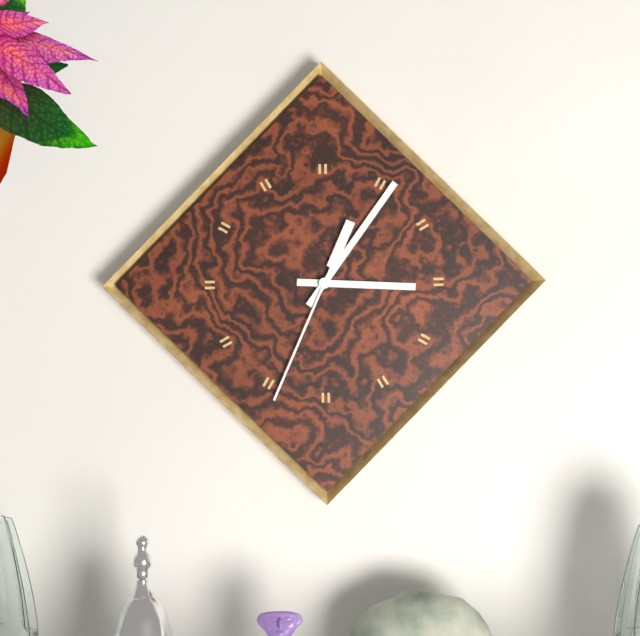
3:06:34
